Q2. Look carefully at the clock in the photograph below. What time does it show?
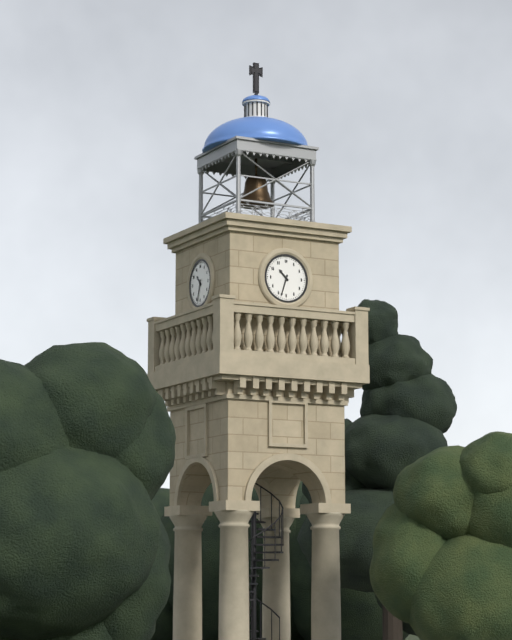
10:33
